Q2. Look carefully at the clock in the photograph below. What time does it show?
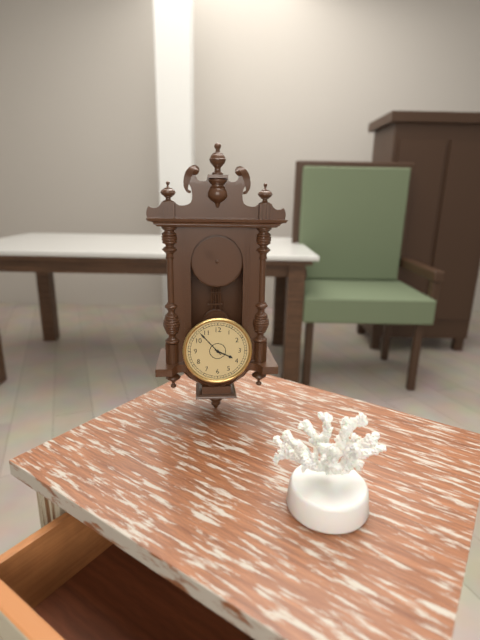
3:53
